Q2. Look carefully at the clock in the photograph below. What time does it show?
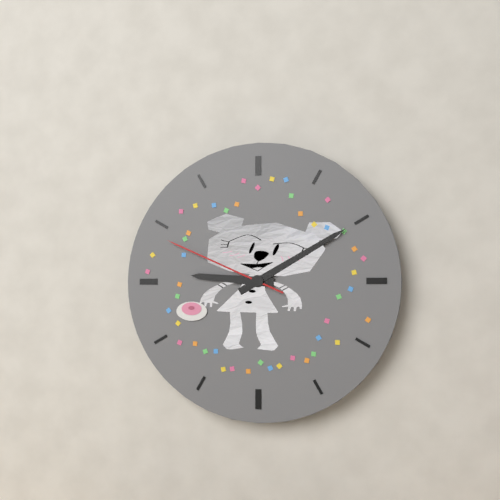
9:10:49
